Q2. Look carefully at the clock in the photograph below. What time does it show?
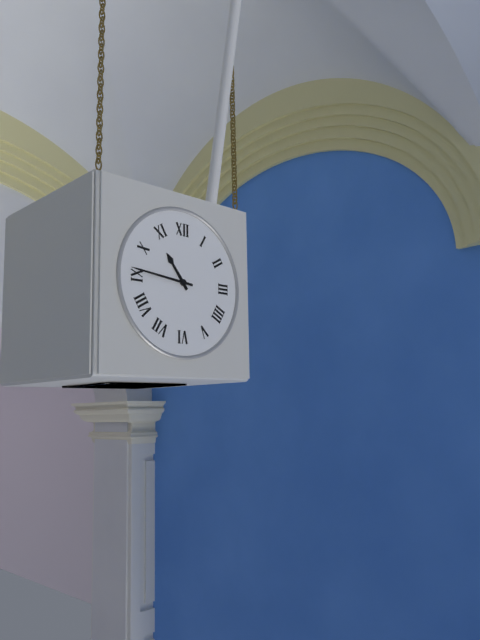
10:46
